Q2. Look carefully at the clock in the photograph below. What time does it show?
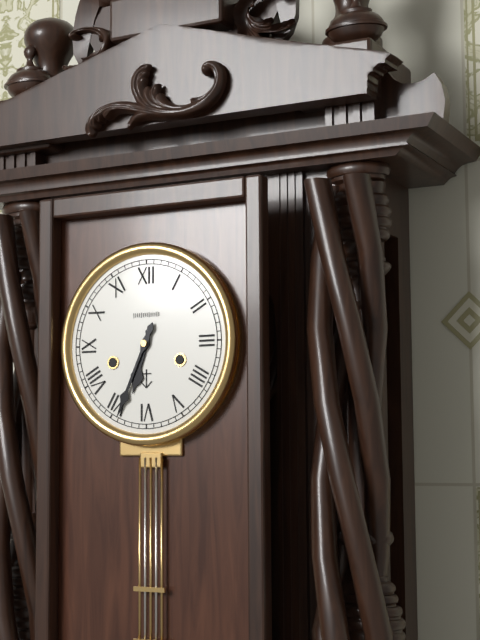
6:34
